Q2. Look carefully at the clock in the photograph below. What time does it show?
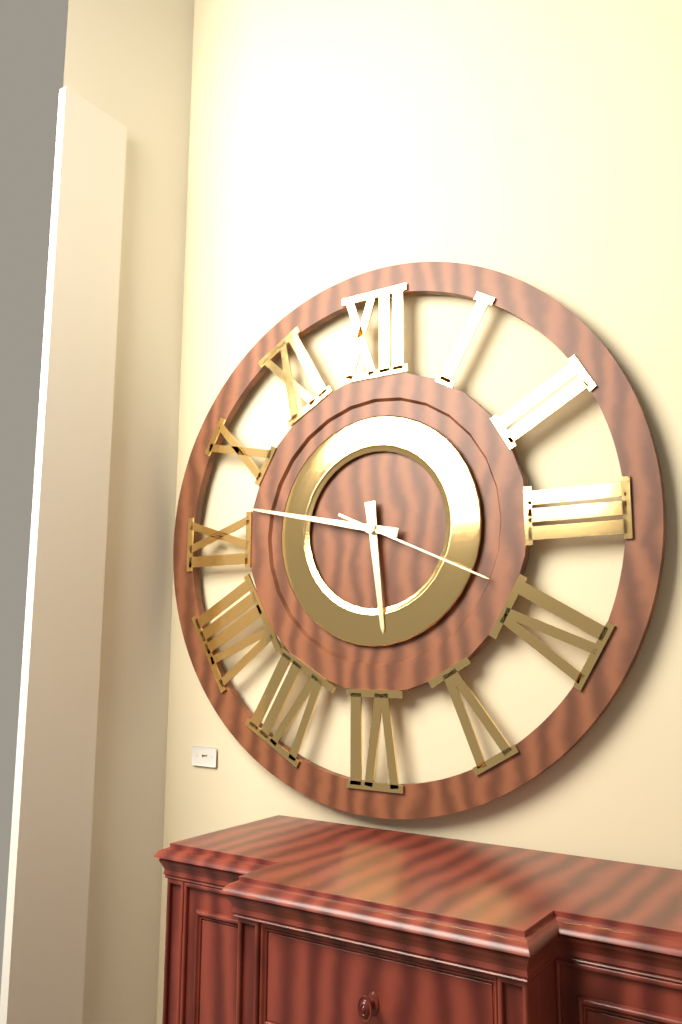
5:47:19
